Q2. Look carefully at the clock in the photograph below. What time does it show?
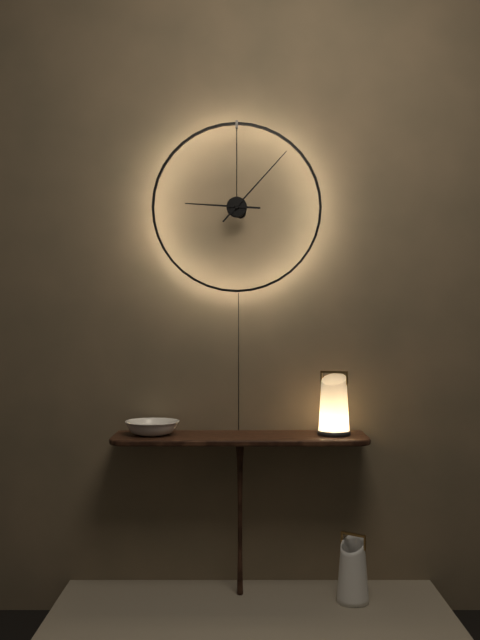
9:07
